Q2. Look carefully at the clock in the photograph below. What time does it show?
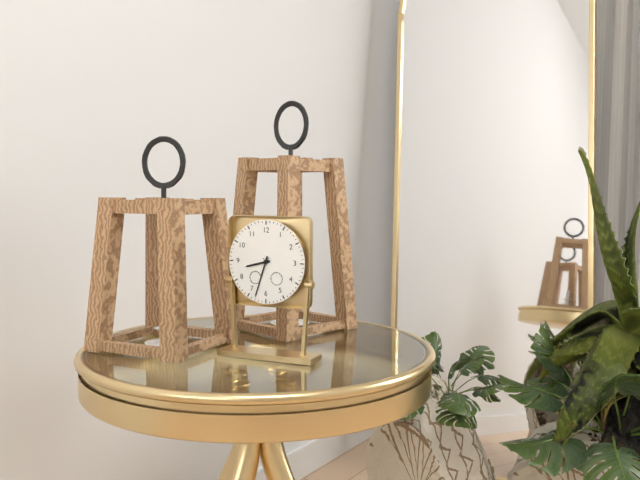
8:33
